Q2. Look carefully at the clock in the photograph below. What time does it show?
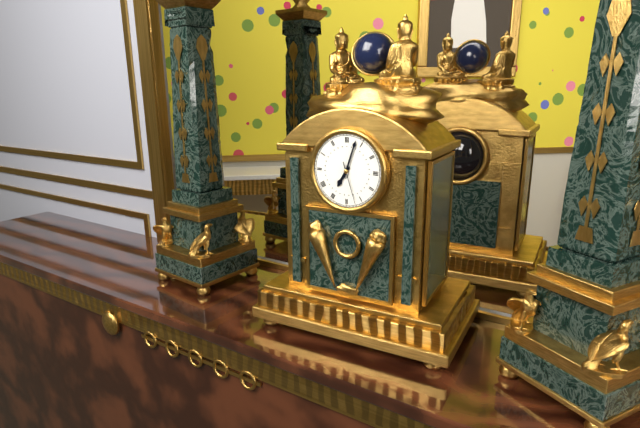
7:03
